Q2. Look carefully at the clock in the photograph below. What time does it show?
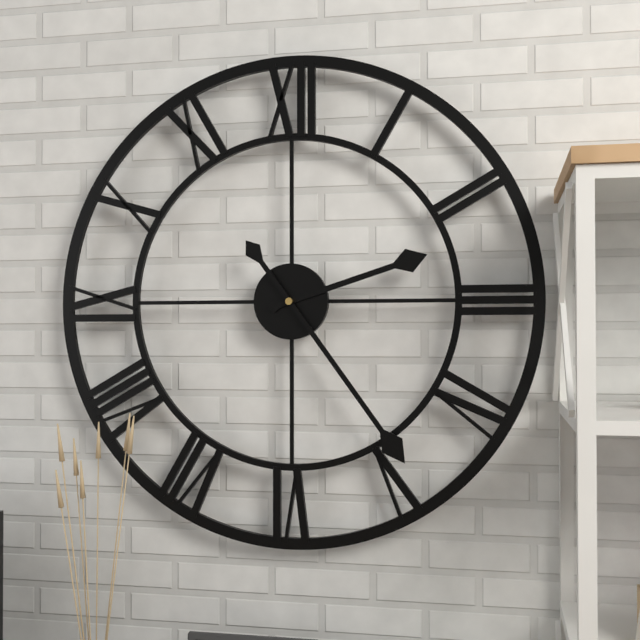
2:24
